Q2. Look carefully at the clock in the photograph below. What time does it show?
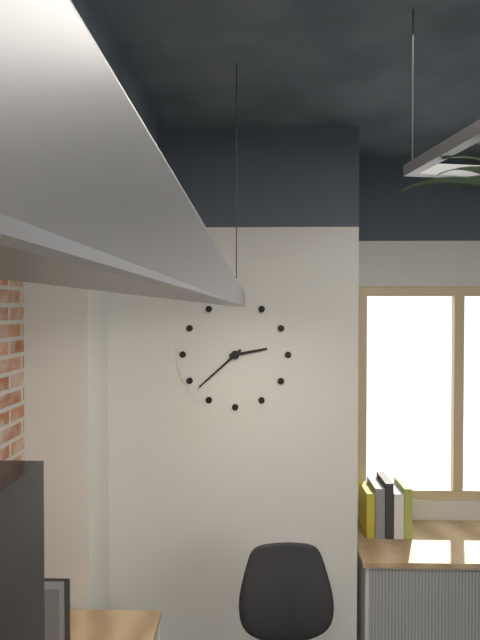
2:38
